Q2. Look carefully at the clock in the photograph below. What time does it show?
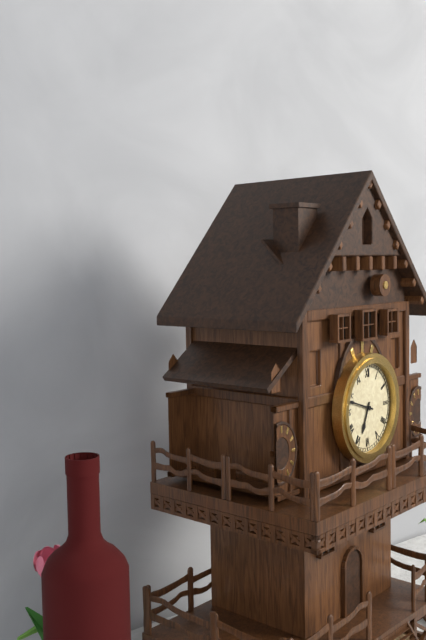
6:48
